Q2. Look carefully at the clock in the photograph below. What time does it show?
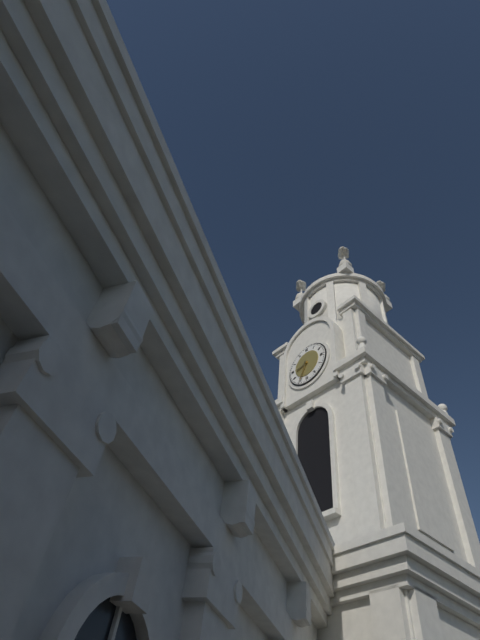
8:34
